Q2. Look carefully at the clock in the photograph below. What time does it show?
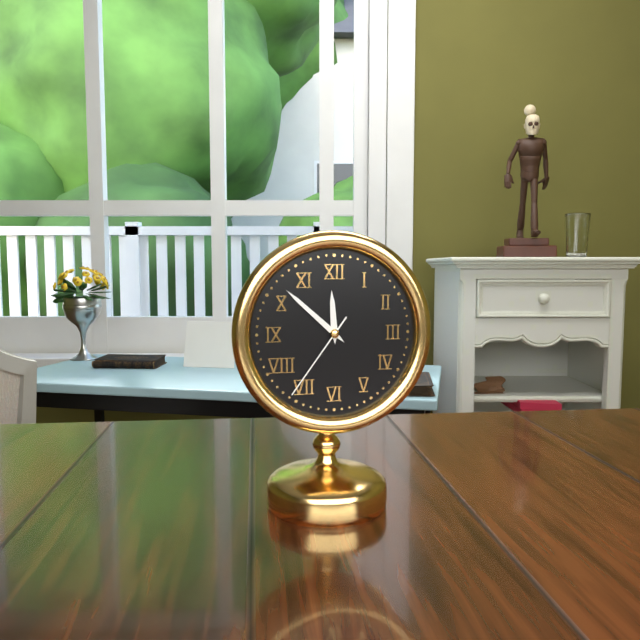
11:52:36
